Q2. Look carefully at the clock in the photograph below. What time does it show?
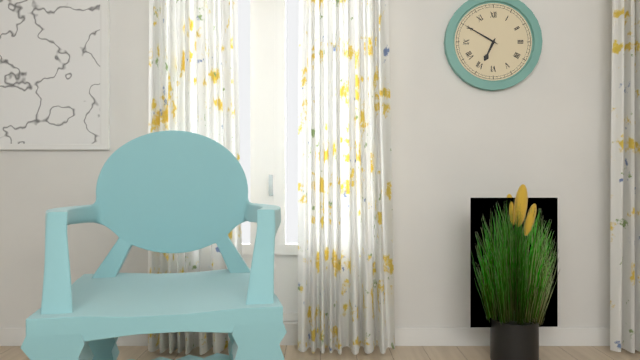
6:50
